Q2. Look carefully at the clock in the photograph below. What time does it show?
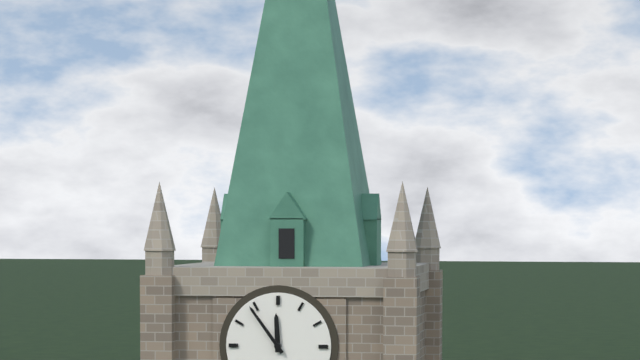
11:54
